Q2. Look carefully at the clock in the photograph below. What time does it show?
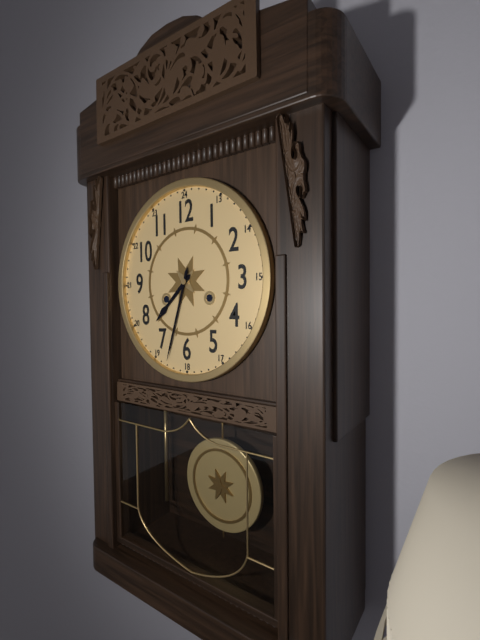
7:33
